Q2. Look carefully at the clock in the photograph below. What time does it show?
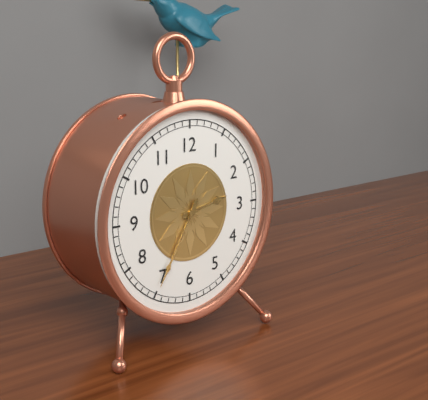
2:35
